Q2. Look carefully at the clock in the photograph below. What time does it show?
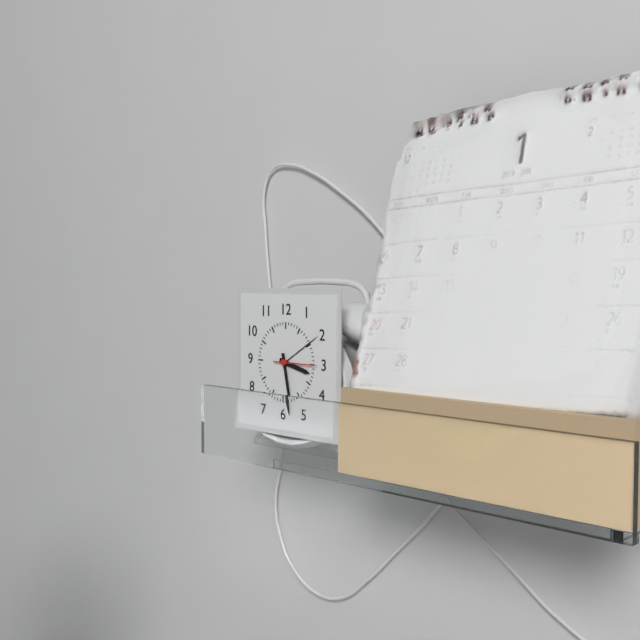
3:28
